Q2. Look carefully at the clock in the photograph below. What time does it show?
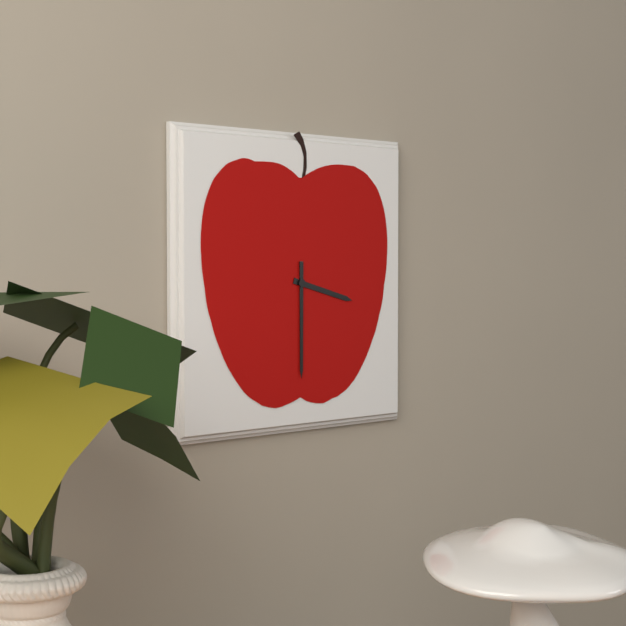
3:30
